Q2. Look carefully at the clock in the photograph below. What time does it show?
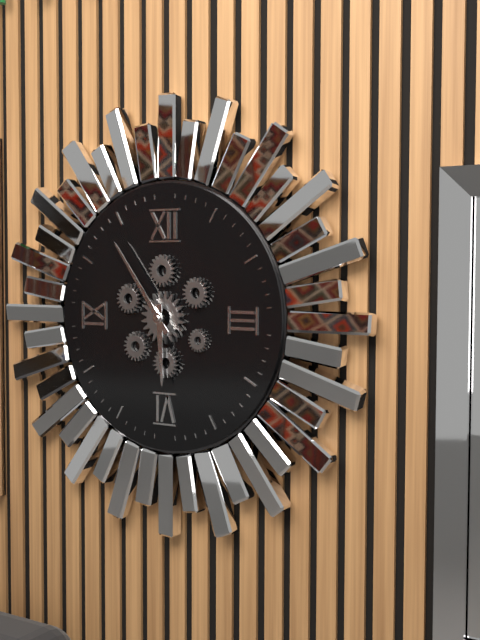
5:54
